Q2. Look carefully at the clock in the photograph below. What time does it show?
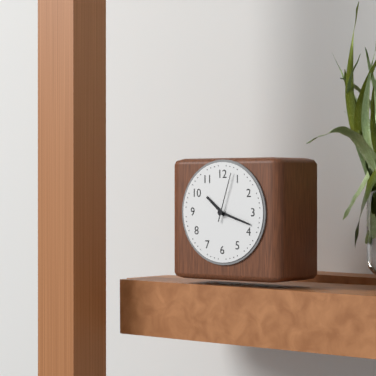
10:18:03
